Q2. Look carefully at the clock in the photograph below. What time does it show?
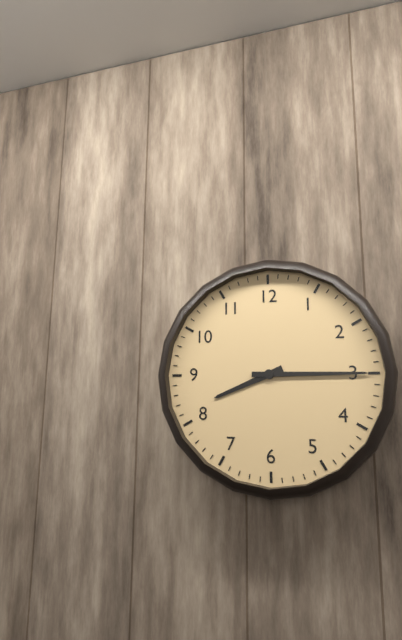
8:15
